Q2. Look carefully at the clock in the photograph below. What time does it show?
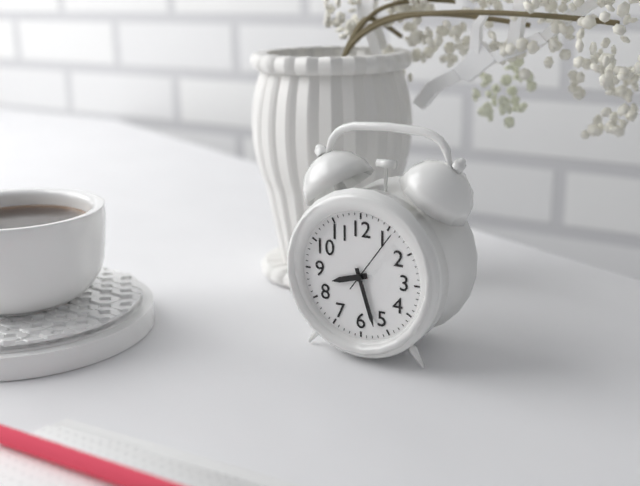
8:27:06
